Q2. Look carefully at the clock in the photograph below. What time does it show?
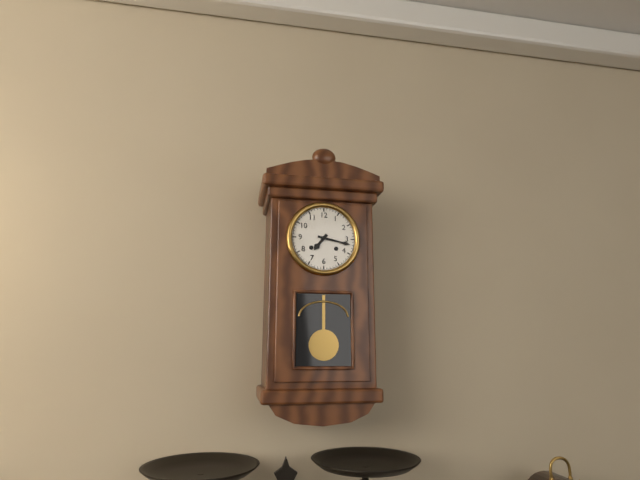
7:17
